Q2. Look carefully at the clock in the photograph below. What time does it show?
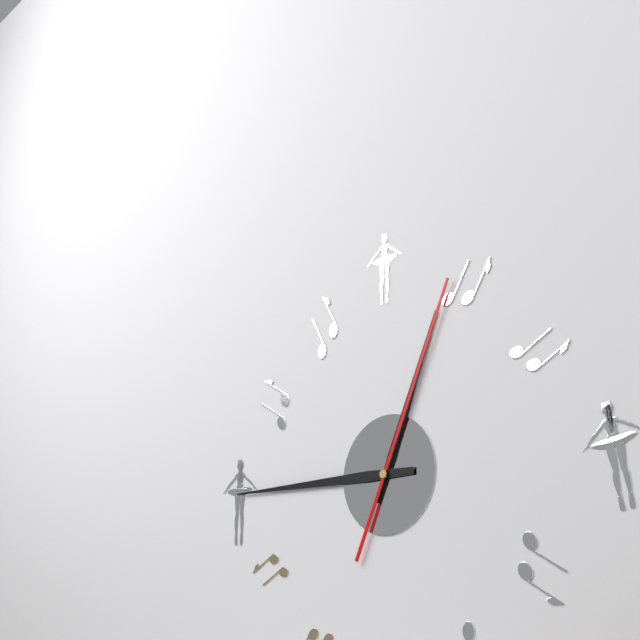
12:45:04
